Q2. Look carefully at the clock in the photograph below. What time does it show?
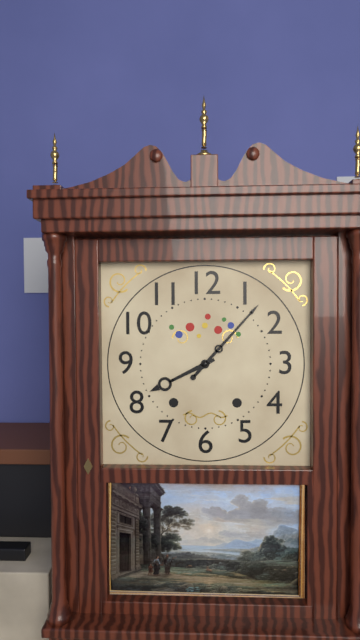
8:07
